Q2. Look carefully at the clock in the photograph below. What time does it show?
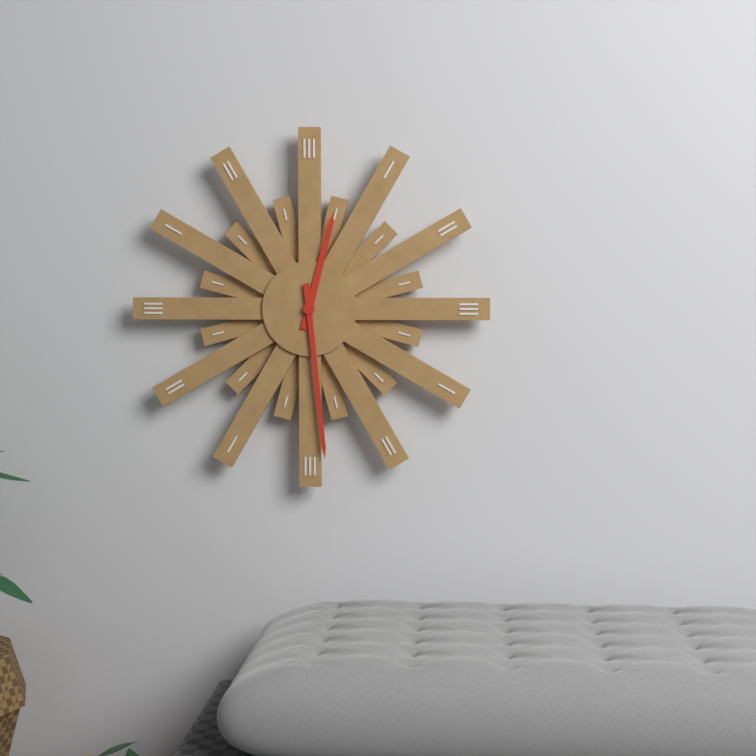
12:29
